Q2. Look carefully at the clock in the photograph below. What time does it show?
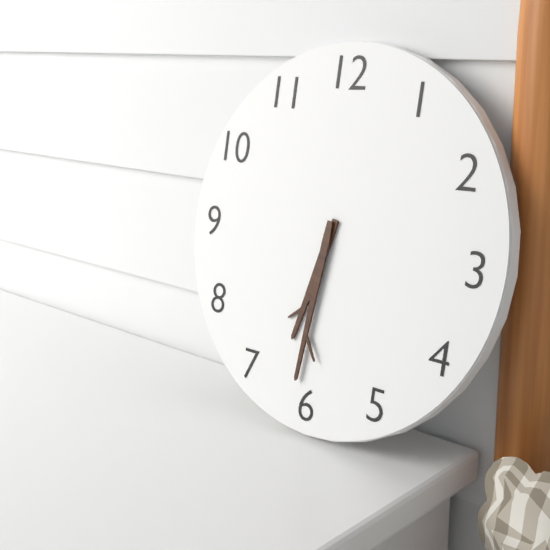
6:31
